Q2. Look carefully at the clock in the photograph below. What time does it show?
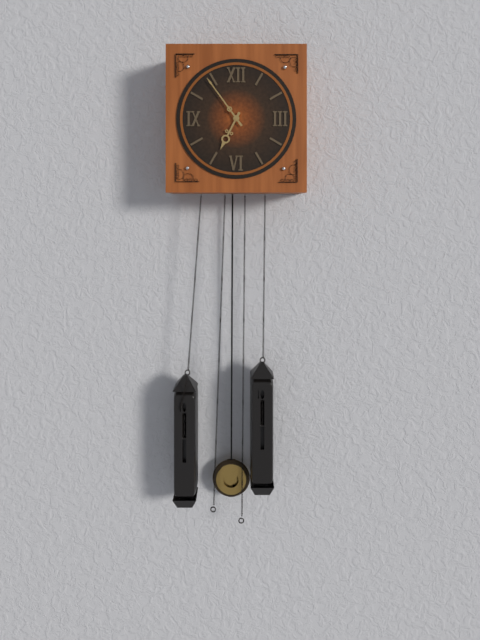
6:54
